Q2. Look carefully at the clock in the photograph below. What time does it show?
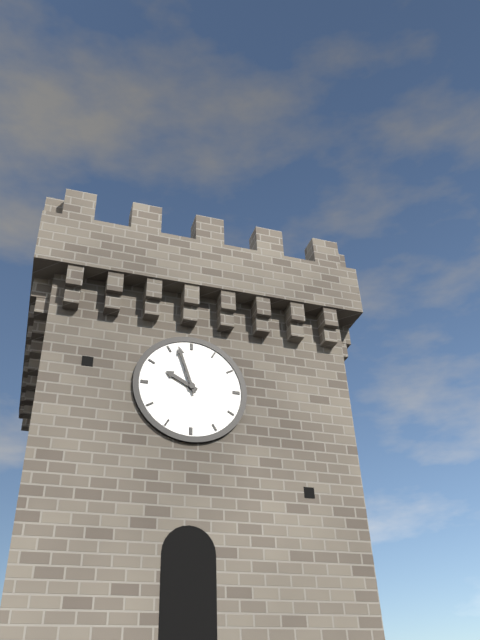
9:57
